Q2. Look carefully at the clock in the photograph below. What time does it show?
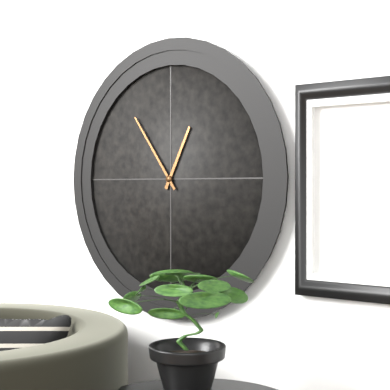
12:54
